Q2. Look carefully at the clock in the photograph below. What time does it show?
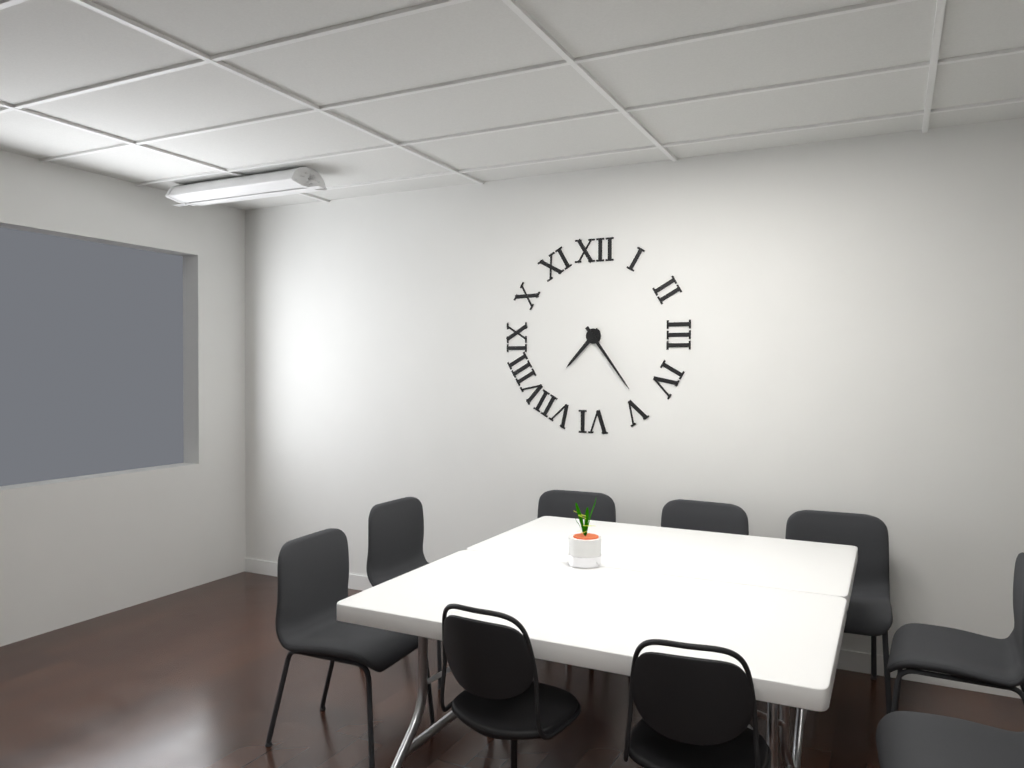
7:24
